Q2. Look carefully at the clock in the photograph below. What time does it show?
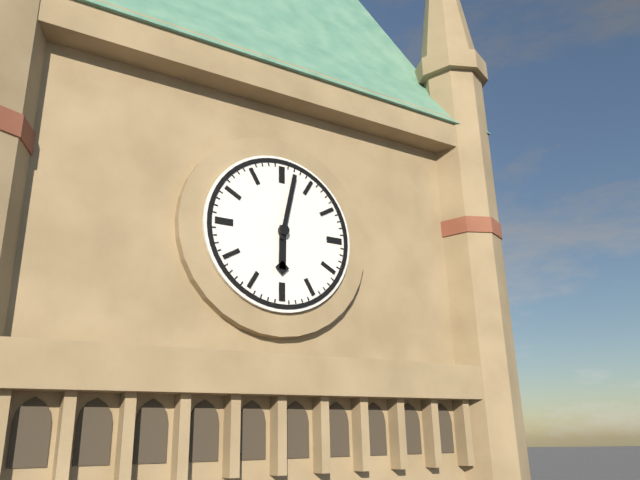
6:02
